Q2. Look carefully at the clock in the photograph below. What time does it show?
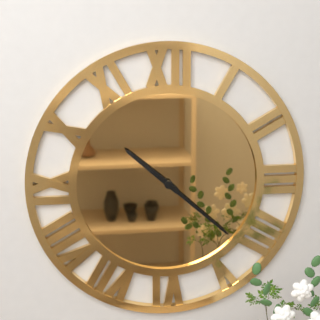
10:22
